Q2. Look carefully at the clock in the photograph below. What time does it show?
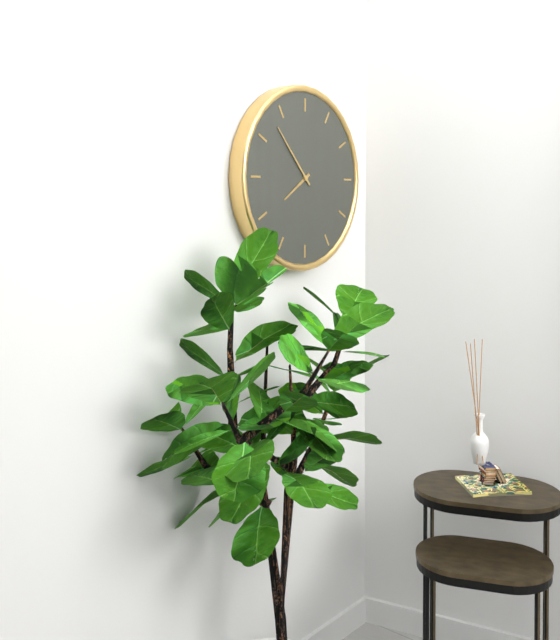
7:53
